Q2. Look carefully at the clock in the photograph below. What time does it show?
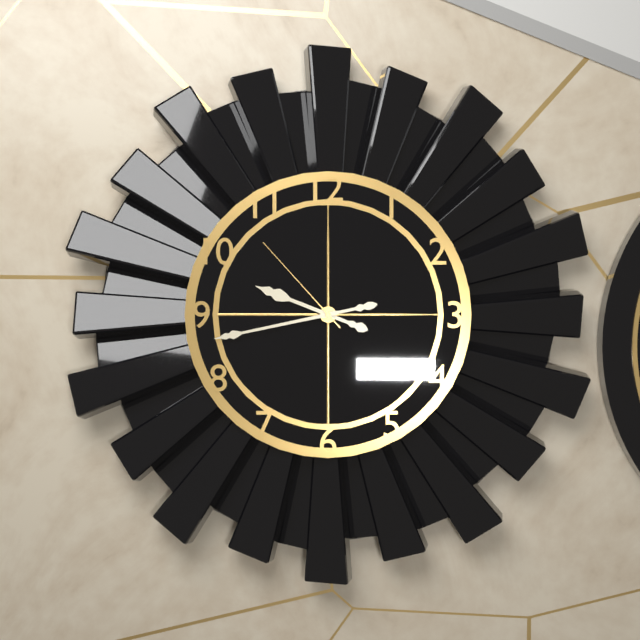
9:43:53
